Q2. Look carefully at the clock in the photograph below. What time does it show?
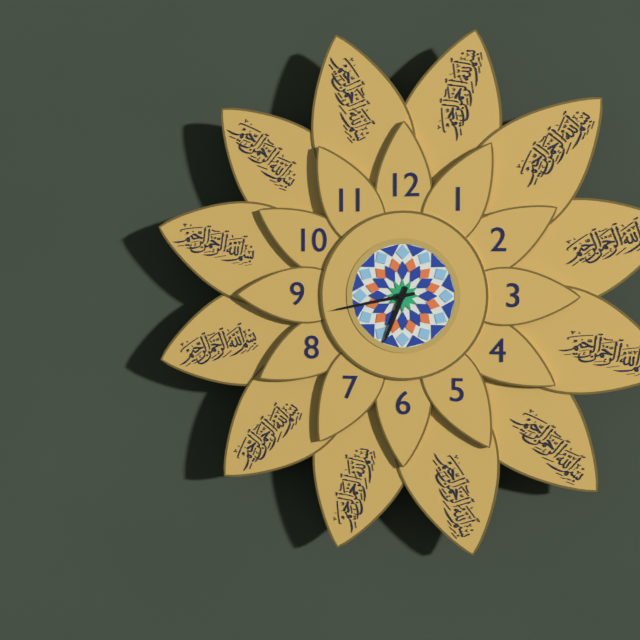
6:43
